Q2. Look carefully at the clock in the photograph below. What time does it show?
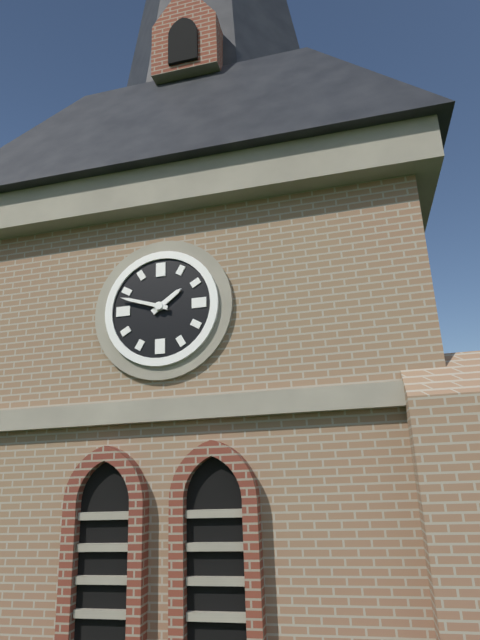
1:48
